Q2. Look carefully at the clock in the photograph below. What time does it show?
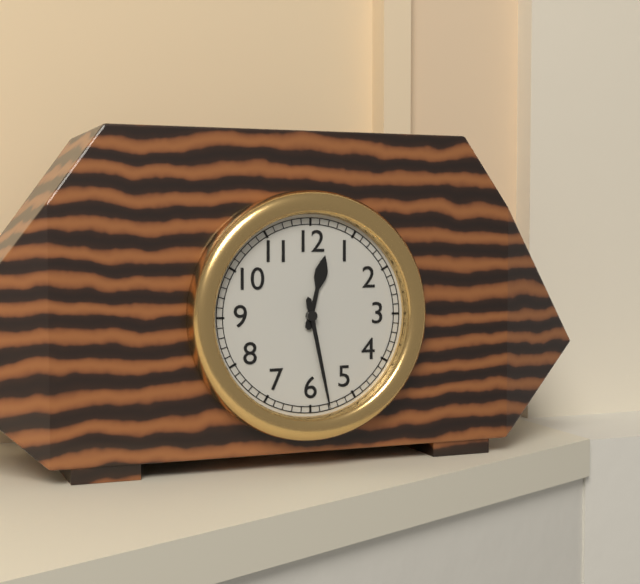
12:28
